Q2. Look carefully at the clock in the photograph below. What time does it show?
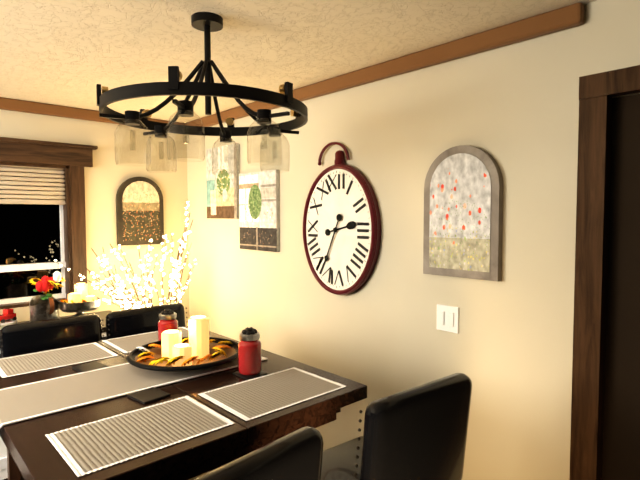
2:34
